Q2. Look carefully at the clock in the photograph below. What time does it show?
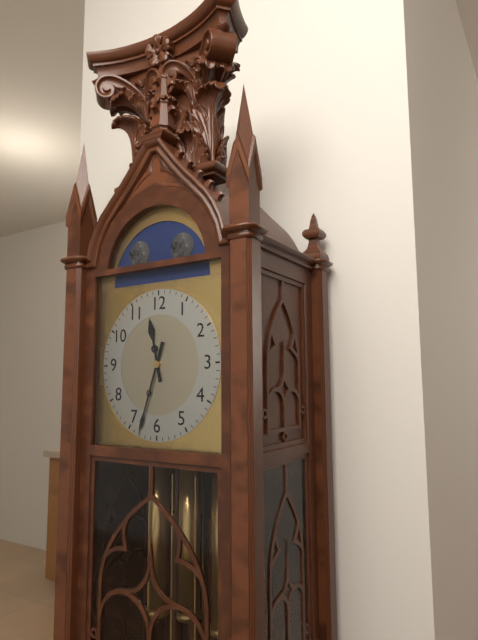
11:33
